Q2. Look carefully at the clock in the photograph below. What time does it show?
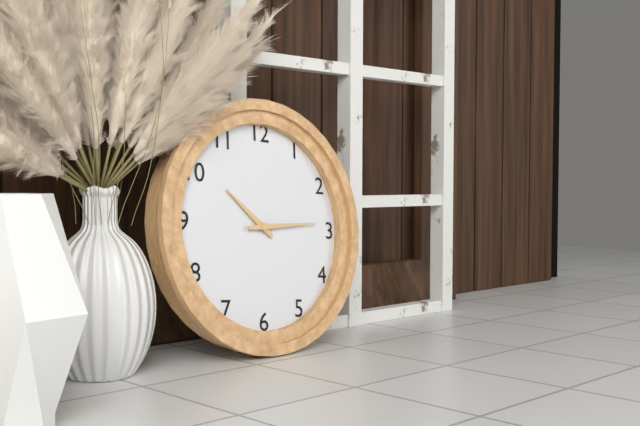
10:14
